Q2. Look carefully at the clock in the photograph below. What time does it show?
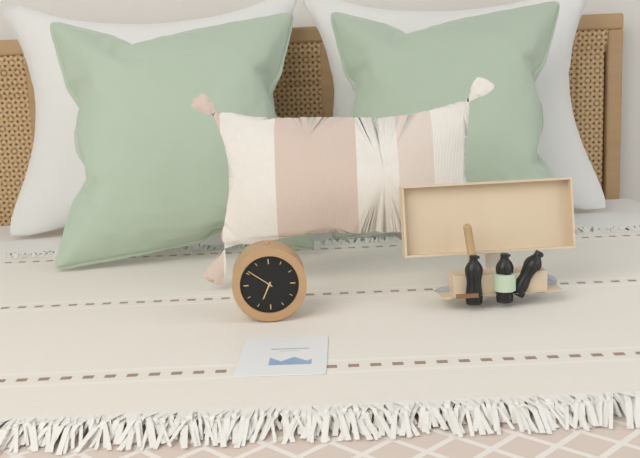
6:51
